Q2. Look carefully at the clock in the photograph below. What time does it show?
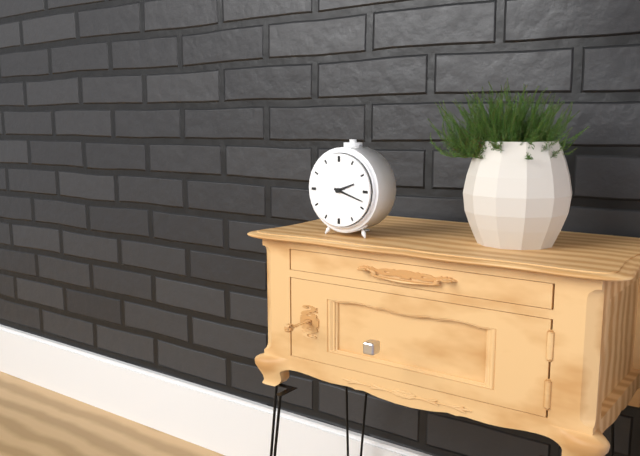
2:18
